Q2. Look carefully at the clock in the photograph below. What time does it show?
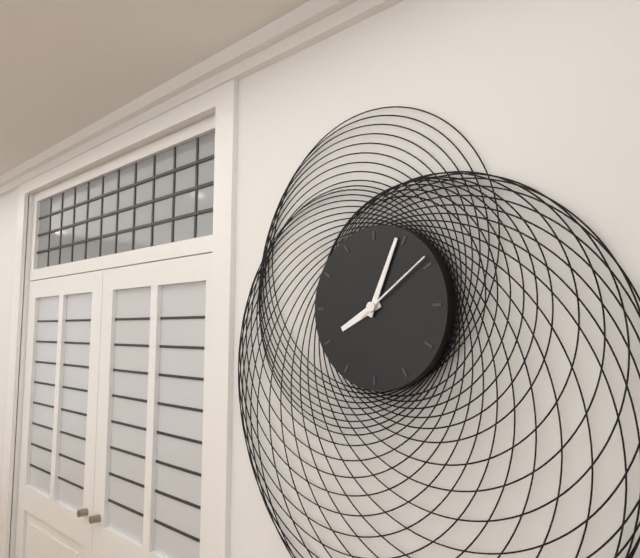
8:04:09
